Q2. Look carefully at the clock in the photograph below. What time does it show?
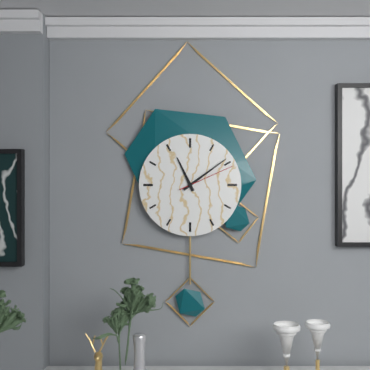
11:09:11
